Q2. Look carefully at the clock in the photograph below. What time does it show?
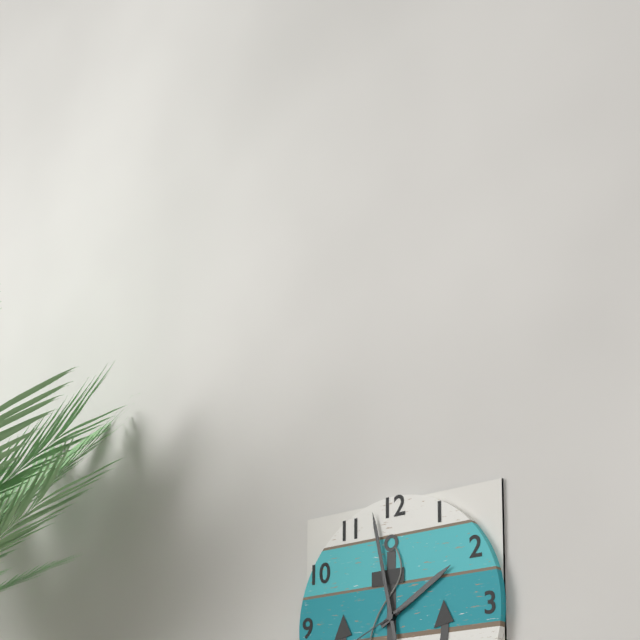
1:58
